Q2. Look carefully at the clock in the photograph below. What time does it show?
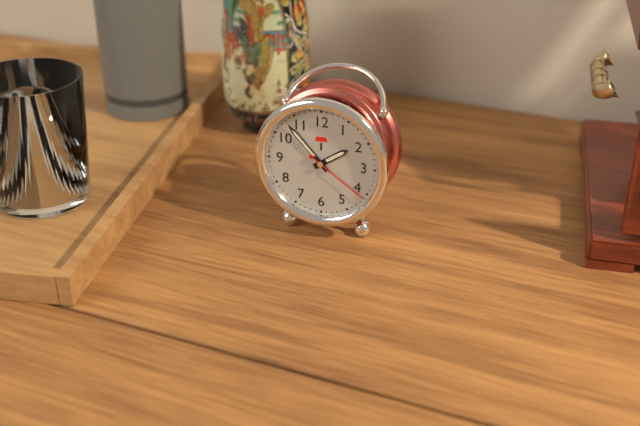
1:53:21
